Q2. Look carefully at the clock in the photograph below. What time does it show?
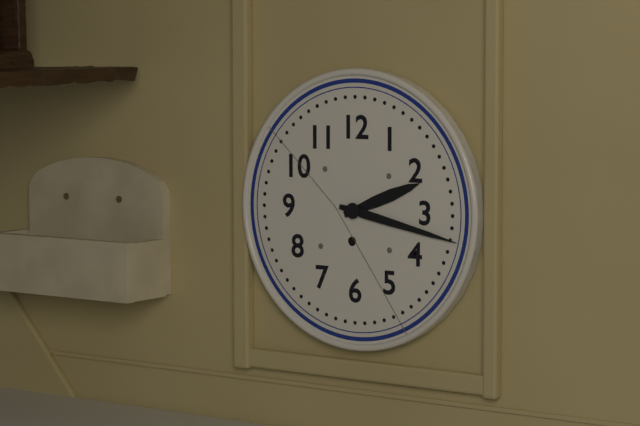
2:17
